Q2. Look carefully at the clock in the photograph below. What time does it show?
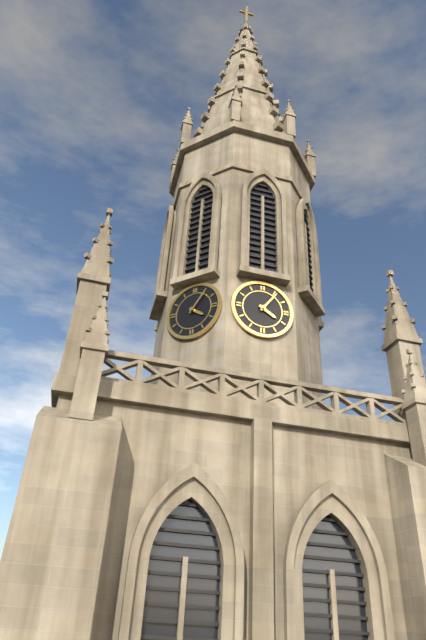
4:06
